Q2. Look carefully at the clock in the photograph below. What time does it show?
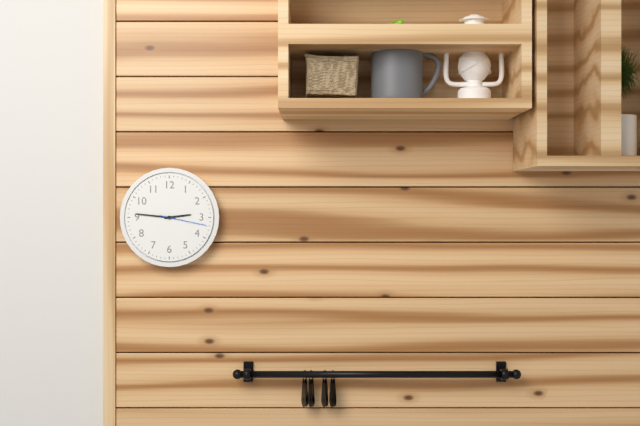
2:46:17
